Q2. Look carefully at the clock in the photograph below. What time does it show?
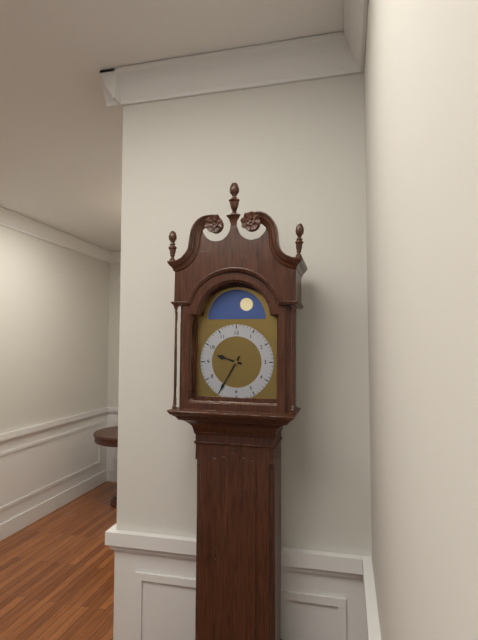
9:35
